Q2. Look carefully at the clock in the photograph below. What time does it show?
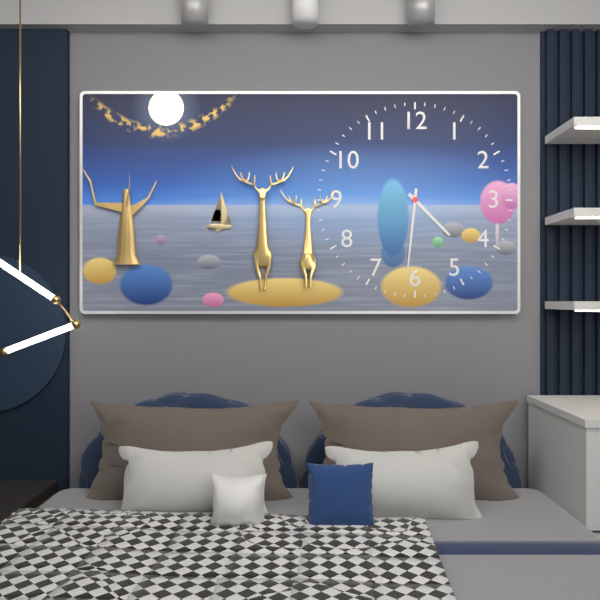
4:31
